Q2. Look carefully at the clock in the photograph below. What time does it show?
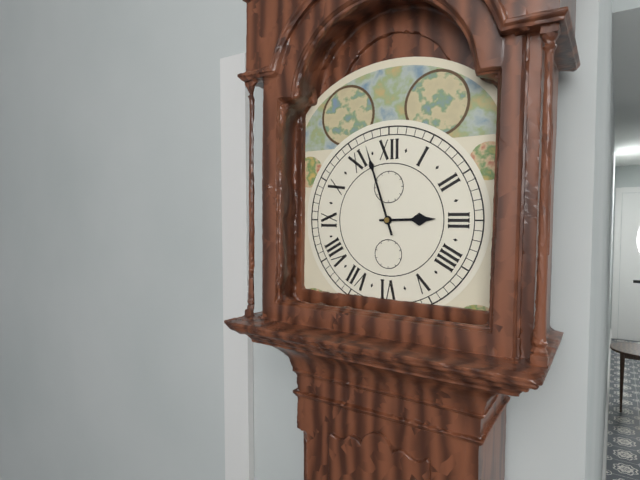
2:57
